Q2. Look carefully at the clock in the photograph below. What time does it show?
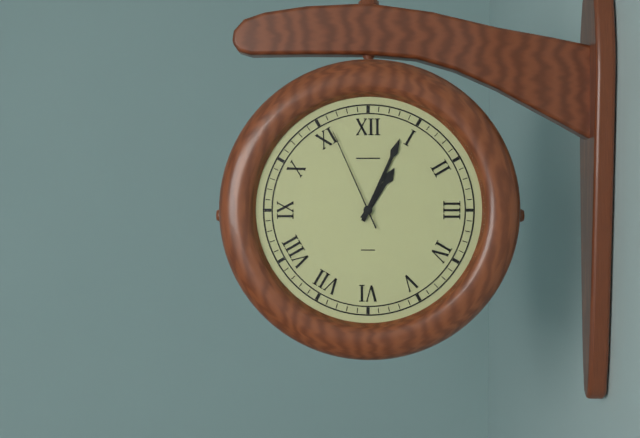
1:04:56
